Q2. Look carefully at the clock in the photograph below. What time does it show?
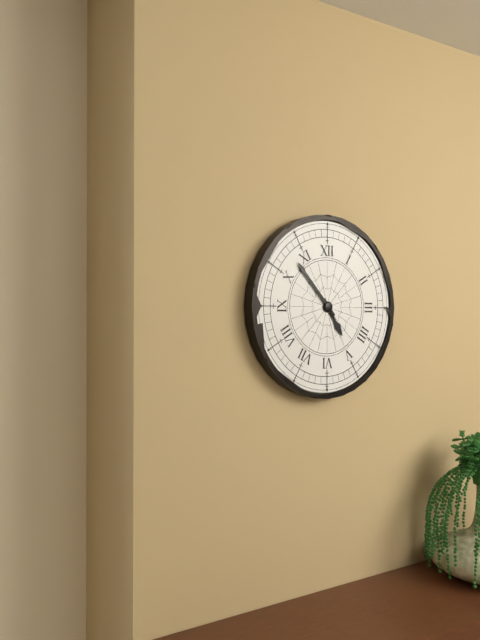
4:53
